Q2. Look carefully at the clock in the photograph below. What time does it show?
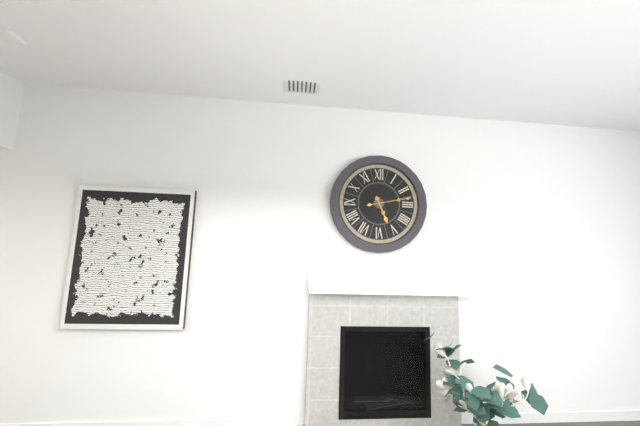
5:13
